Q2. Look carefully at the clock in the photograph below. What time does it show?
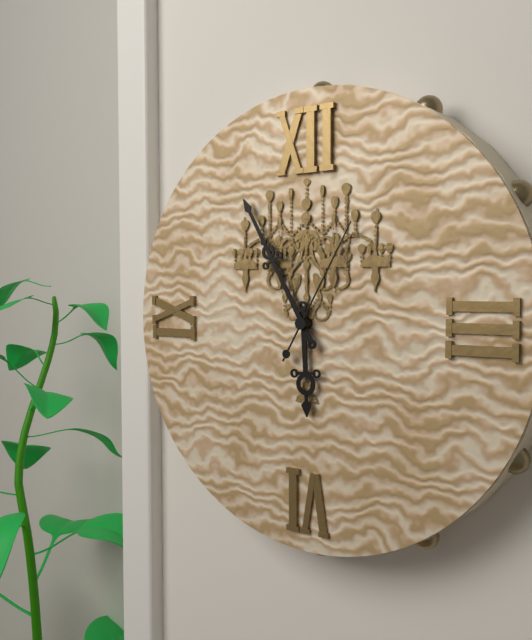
5:55:05
